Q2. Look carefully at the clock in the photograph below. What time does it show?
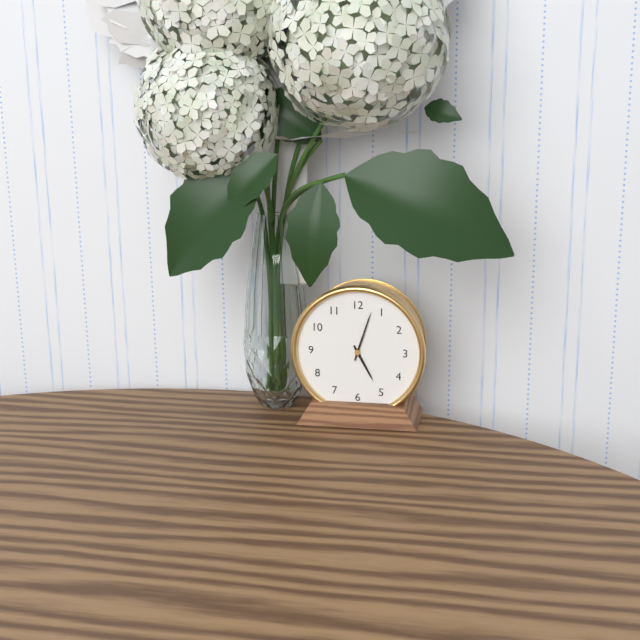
5:03
